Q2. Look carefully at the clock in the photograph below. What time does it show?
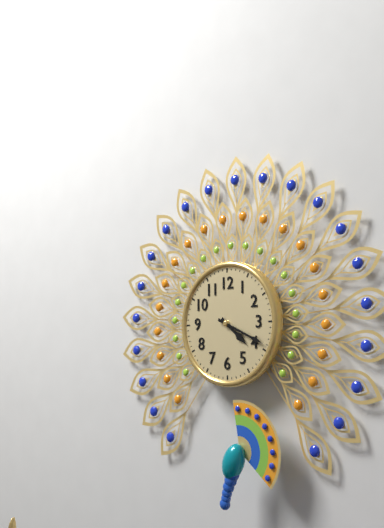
4:19
